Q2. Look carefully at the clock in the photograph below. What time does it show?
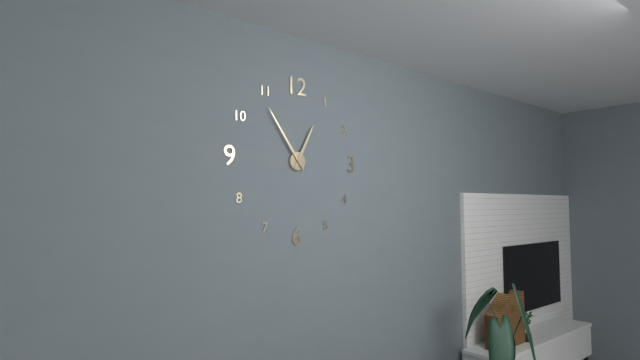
12:54
